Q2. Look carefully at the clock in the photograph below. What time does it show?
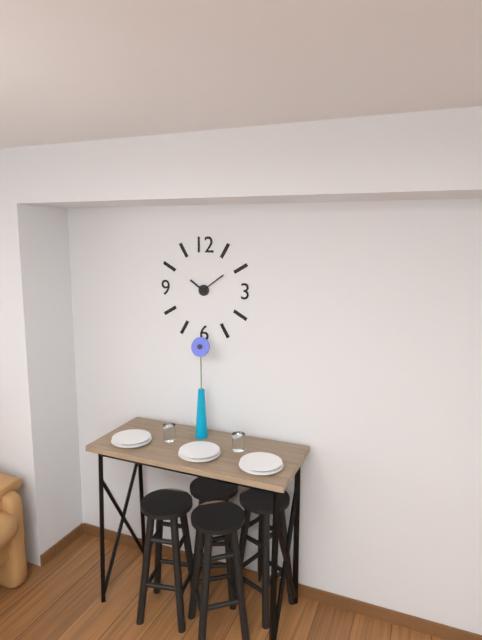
10:09
